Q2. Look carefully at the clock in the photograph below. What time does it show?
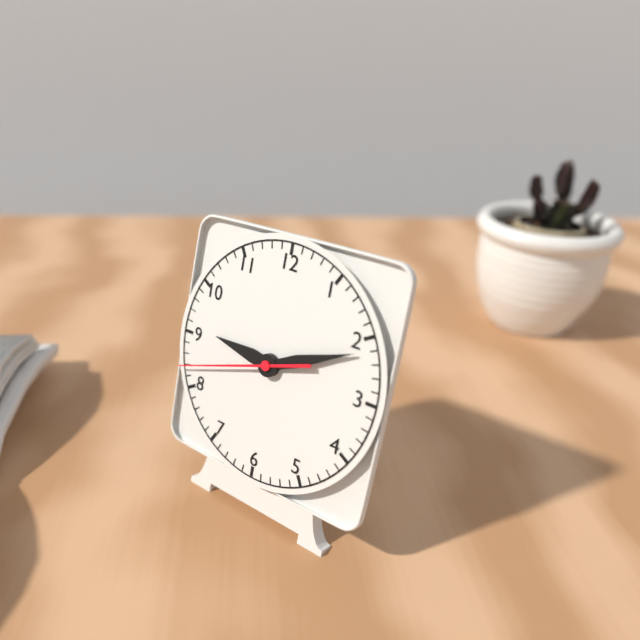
9:11:42
